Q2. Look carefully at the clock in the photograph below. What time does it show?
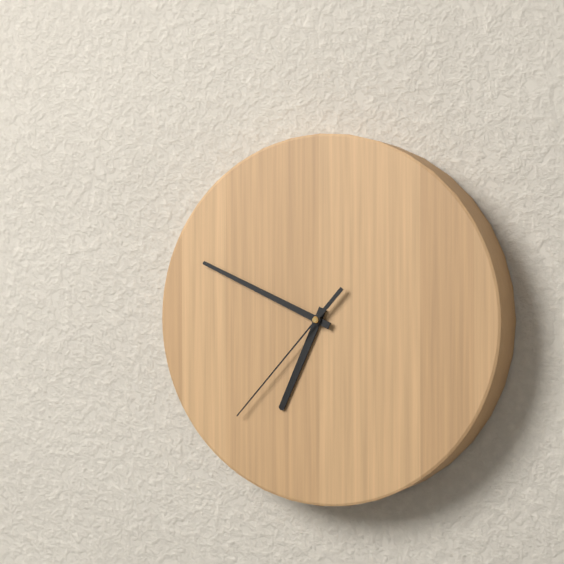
6:49:37
